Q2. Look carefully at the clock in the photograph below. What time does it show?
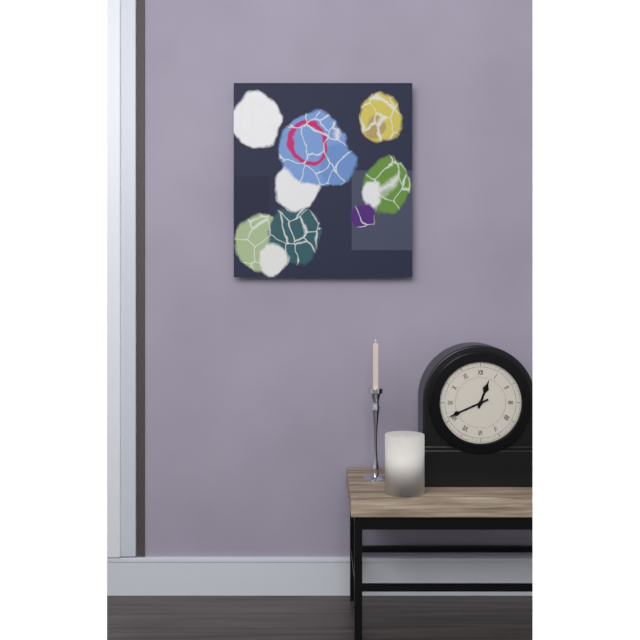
12:41
